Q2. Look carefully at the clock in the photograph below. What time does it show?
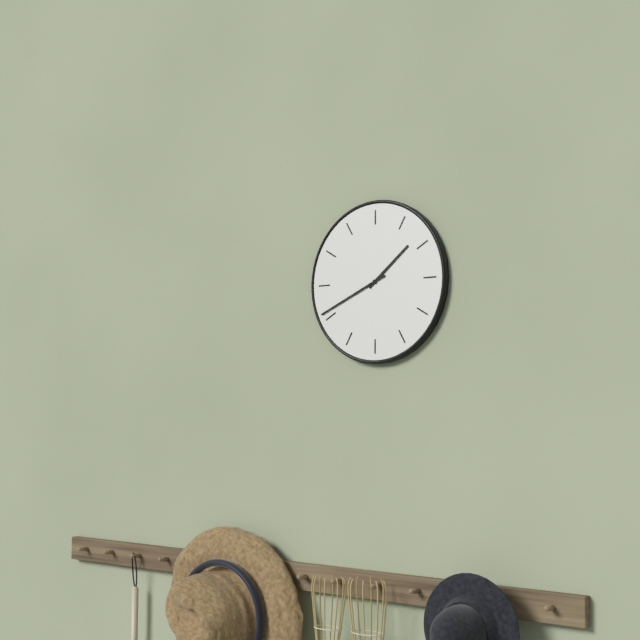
1:41
